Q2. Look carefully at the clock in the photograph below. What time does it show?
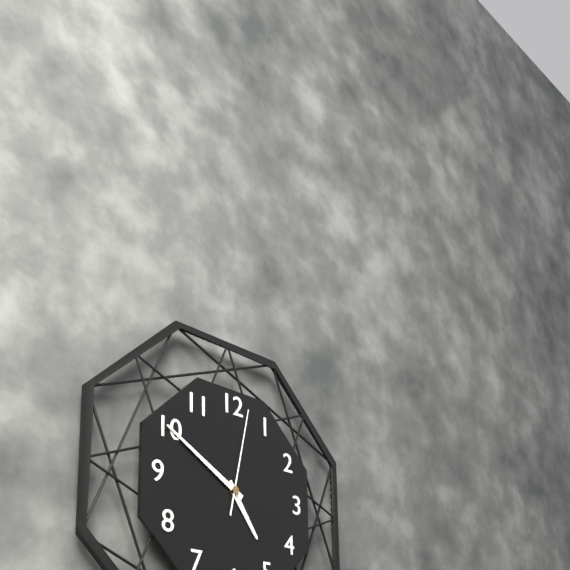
4:50:02
